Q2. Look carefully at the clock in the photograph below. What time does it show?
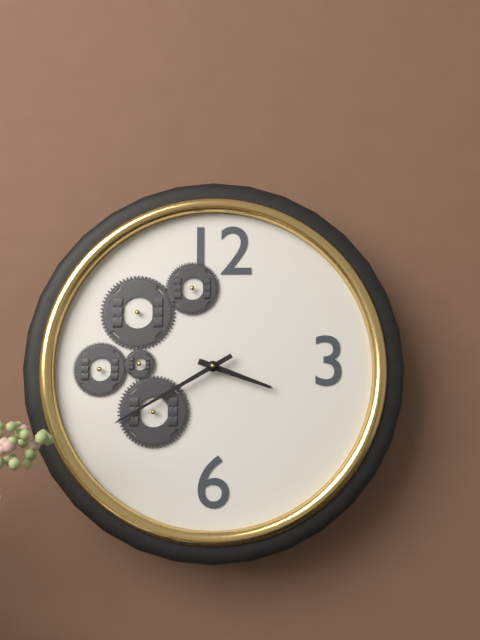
3:40
